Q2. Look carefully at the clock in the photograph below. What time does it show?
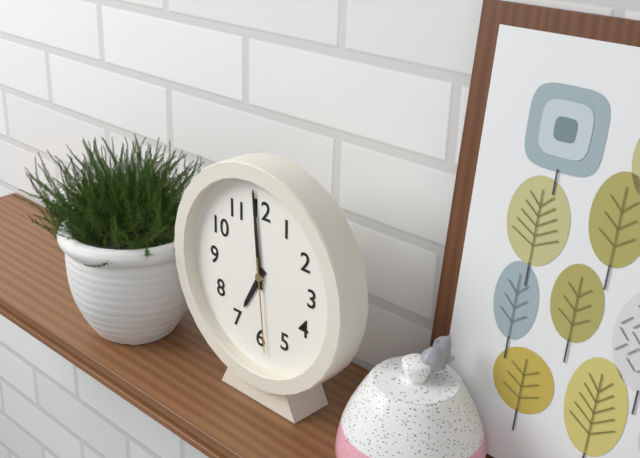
6:59:29
